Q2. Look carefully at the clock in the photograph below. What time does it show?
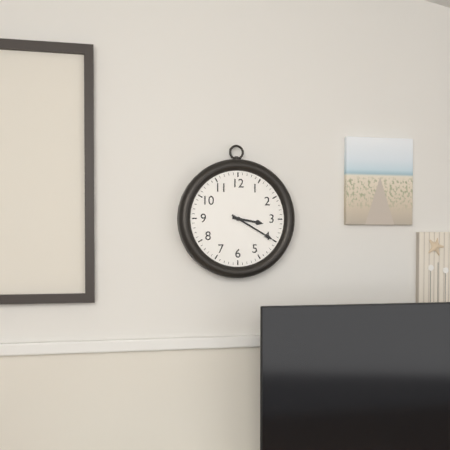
3:20
